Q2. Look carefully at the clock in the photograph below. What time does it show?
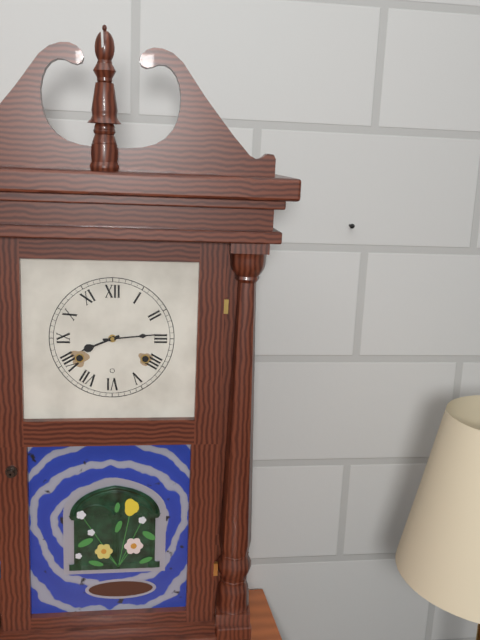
8:14
